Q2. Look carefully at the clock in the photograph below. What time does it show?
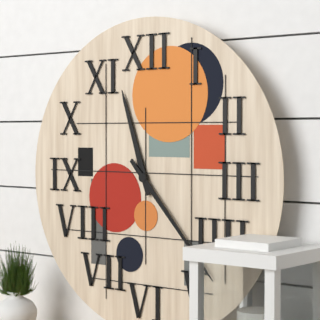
11:23
